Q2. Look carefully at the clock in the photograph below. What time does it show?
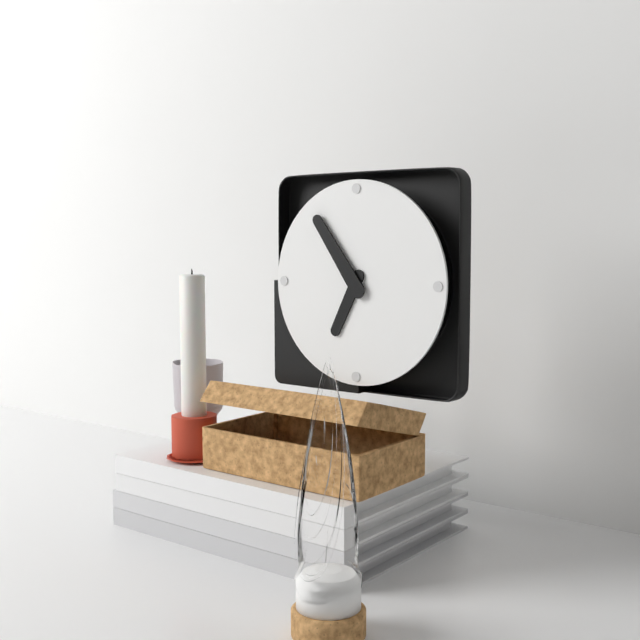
6:54
